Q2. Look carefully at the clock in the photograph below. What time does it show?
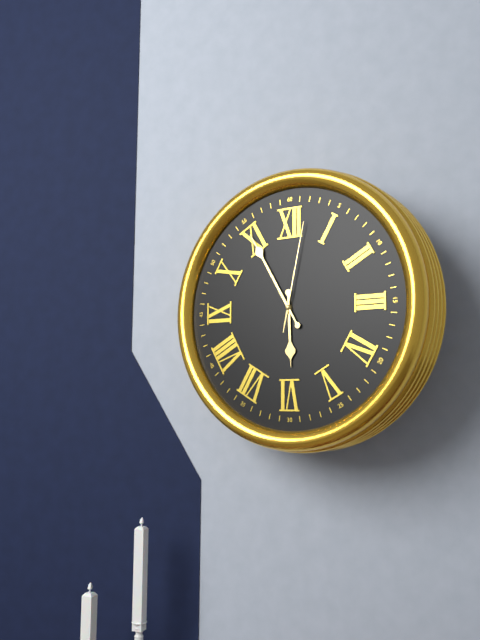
5:55:02
